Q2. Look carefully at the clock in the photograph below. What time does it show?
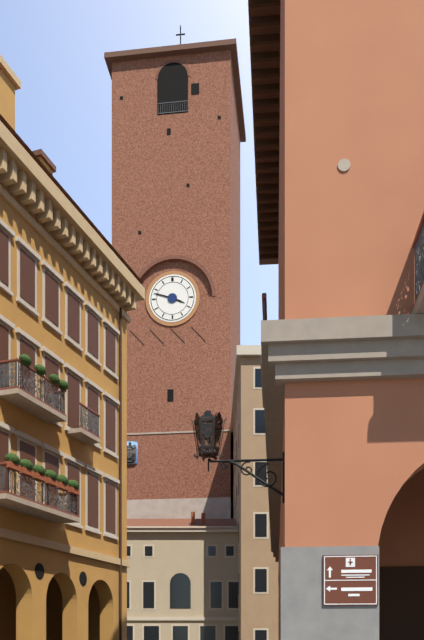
3:48
